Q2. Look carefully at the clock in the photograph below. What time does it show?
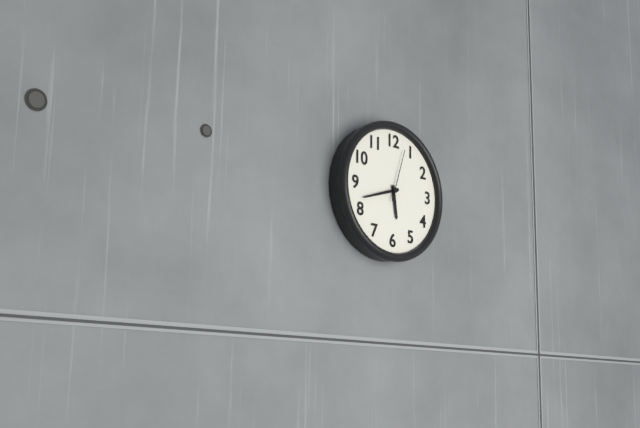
5:42:03
